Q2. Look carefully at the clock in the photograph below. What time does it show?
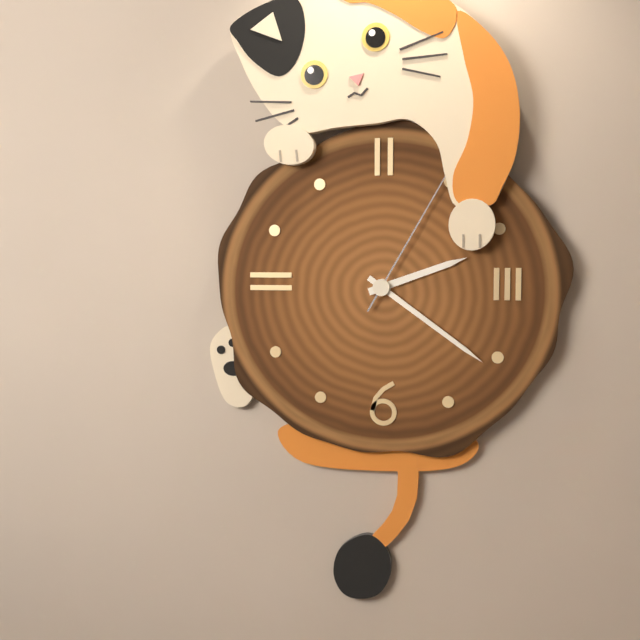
2:21:05
